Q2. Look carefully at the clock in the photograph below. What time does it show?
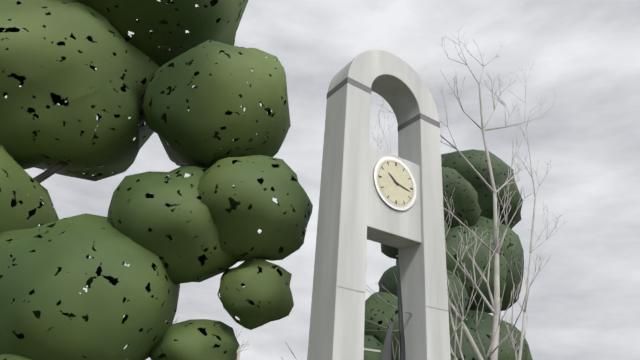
10:17
